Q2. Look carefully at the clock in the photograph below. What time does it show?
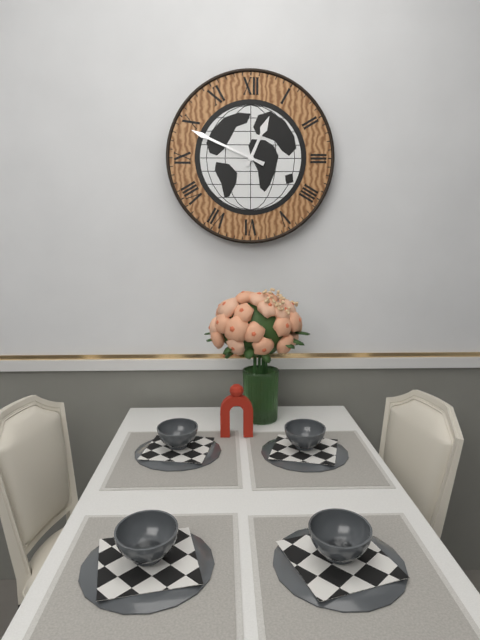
12:49
